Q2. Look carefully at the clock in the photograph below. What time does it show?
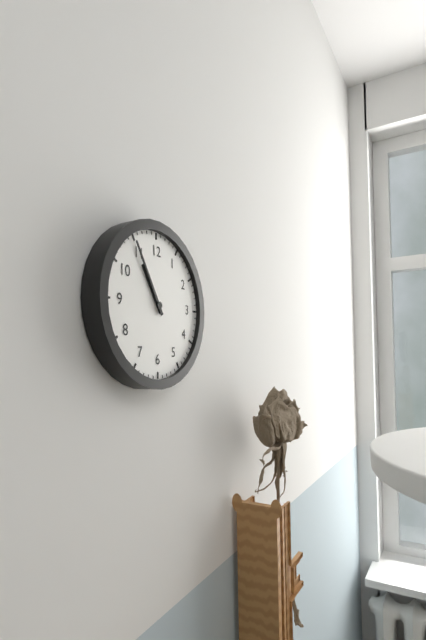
10:55
